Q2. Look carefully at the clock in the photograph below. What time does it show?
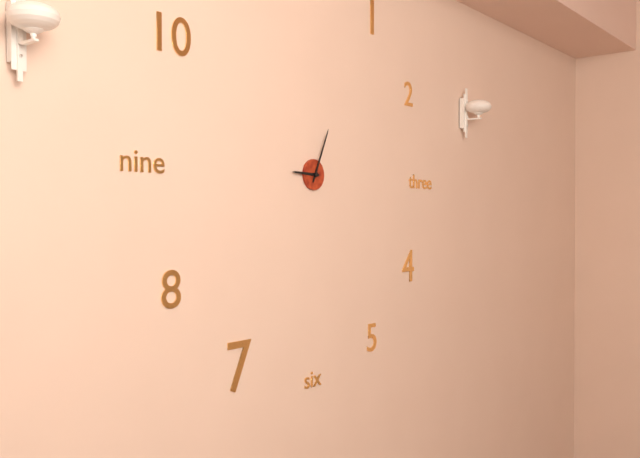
9:04
